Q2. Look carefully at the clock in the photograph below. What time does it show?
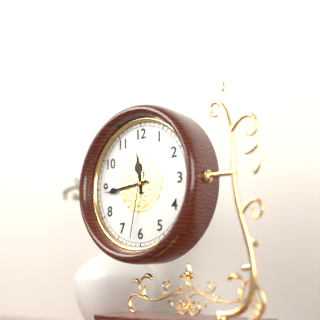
11:44:32
